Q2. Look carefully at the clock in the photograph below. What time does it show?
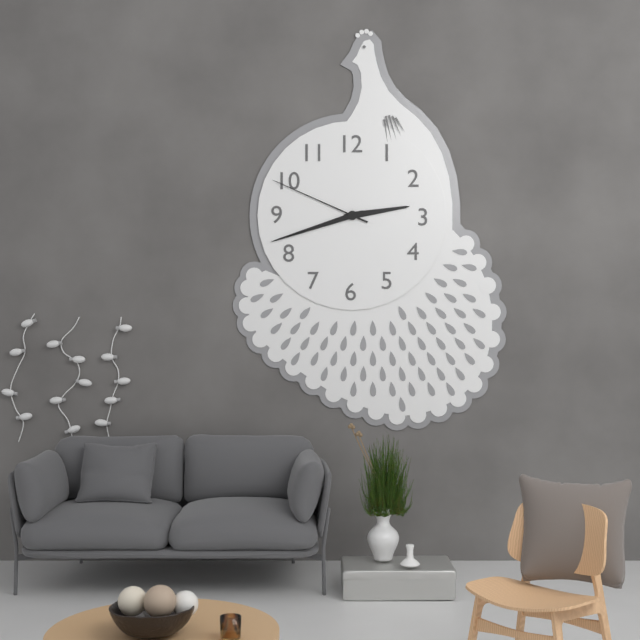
2:42:49
